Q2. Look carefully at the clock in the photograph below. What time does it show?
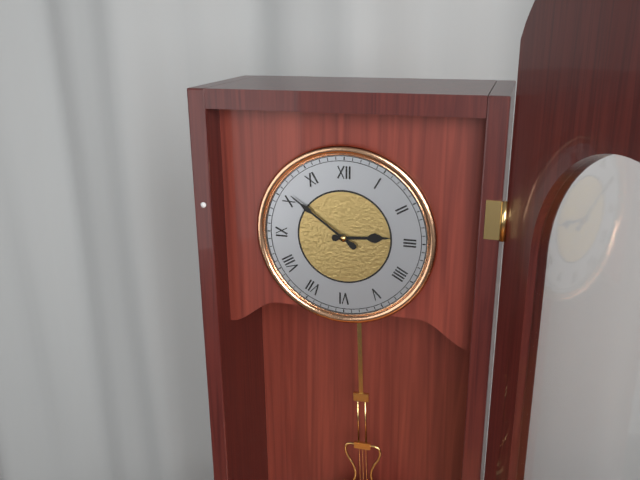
2:51
